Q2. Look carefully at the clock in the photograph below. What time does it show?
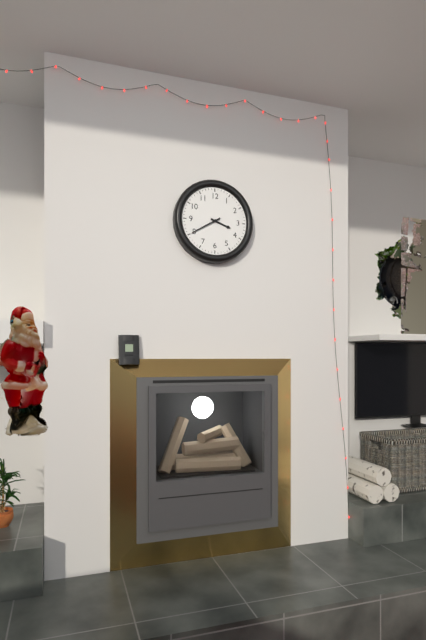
3:40
